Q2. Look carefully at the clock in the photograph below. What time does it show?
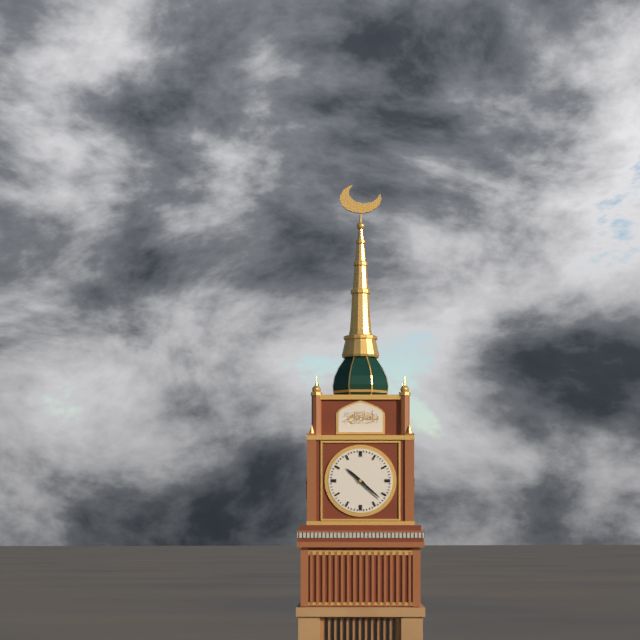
10:22
